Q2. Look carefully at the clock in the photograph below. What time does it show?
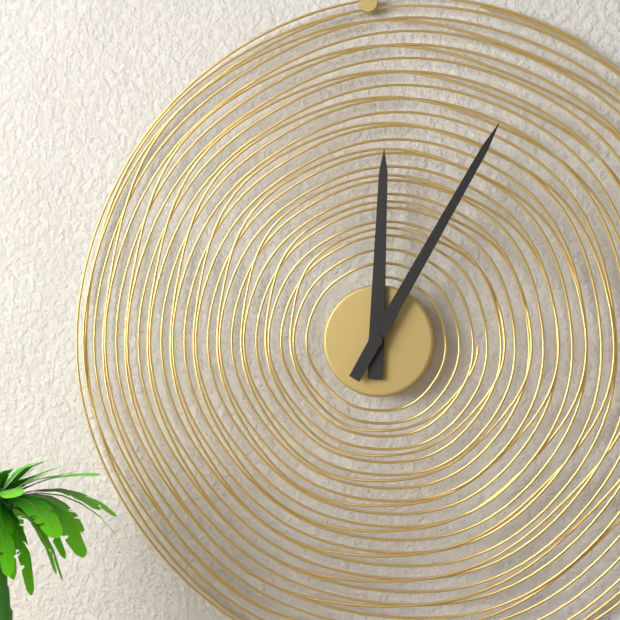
12:05
